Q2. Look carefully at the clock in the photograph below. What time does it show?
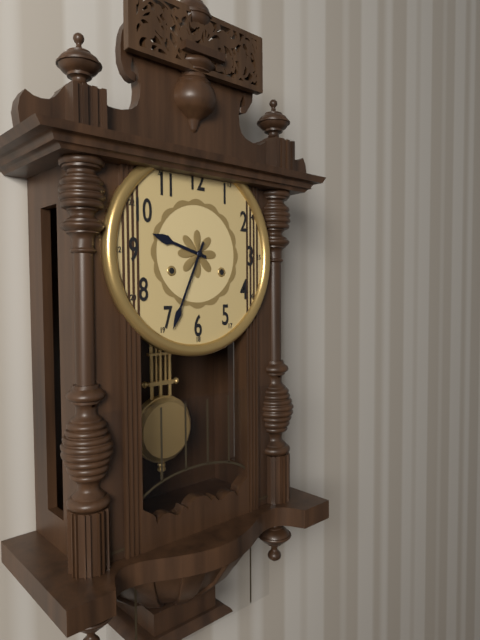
9:34
